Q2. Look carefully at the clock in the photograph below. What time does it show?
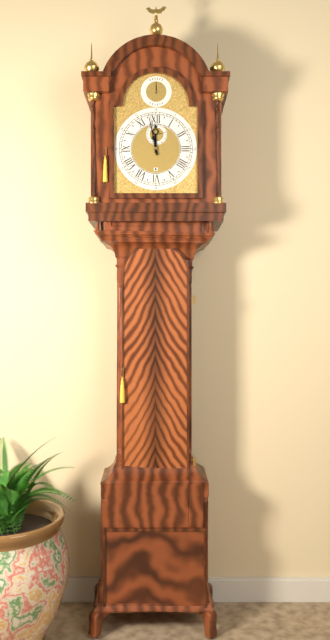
11:58
